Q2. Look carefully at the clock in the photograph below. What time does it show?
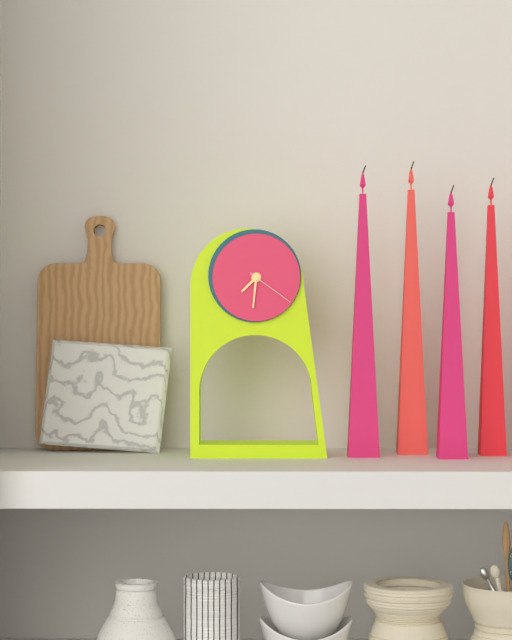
7:31:21
